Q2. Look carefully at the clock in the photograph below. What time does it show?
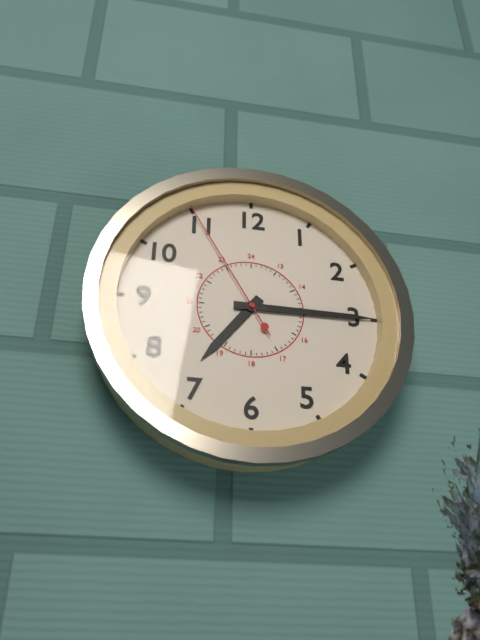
7:15:55
